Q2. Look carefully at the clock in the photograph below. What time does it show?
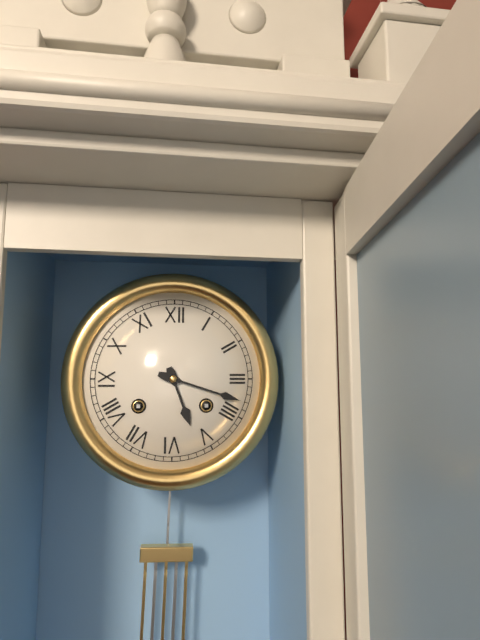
5:18
